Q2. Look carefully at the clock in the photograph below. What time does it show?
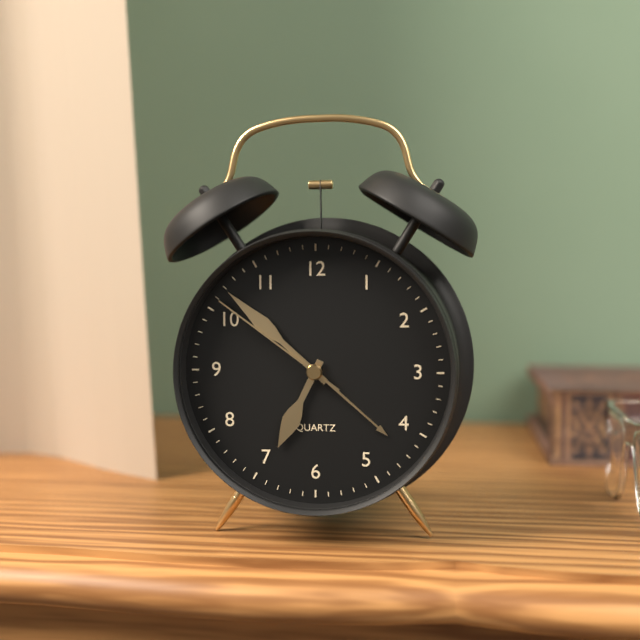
6:52:51
